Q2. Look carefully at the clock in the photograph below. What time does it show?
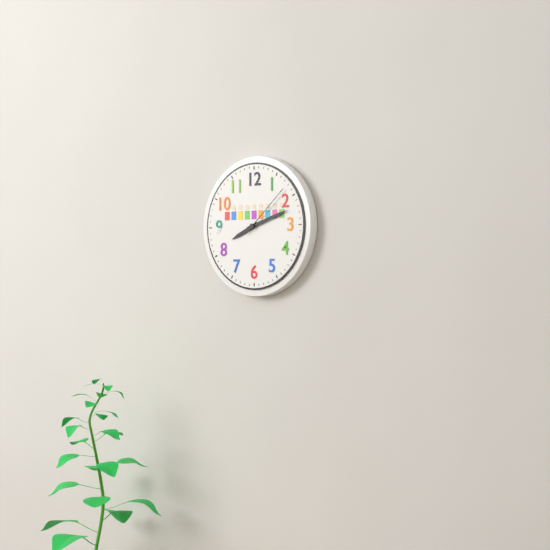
8:12:08
